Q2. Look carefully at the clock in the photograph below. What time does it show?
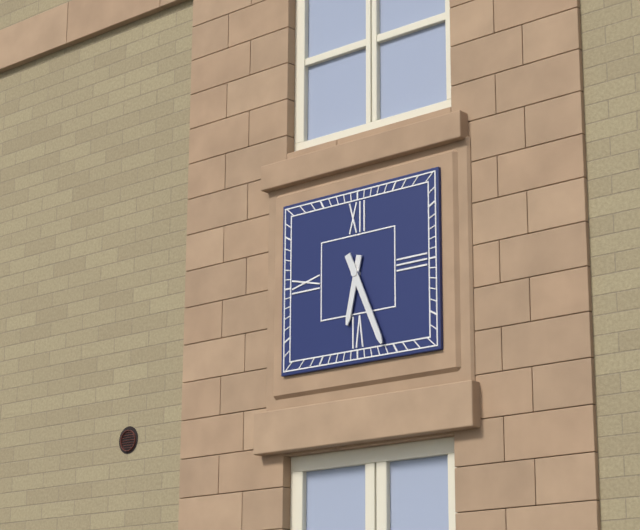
6:26
